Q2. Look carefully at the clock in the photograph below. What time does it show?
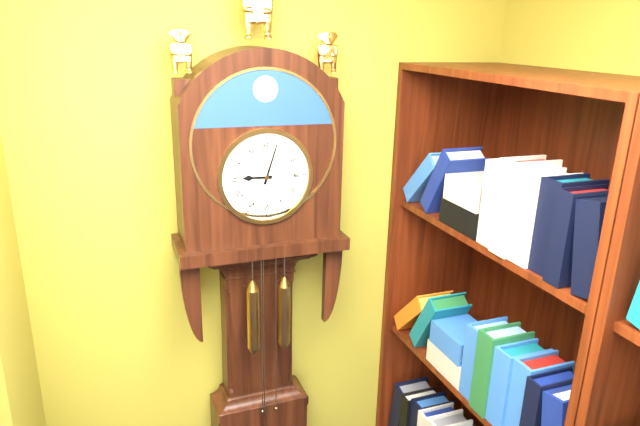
9:03
